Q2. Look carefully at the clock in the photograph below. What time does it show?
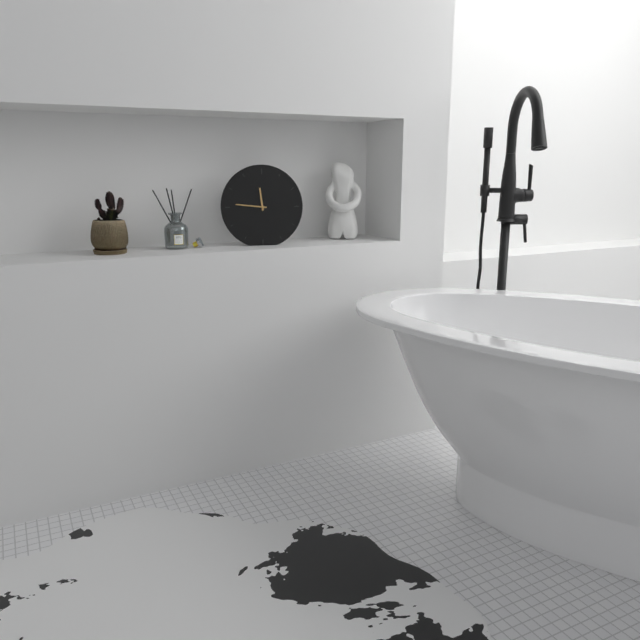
11:46
